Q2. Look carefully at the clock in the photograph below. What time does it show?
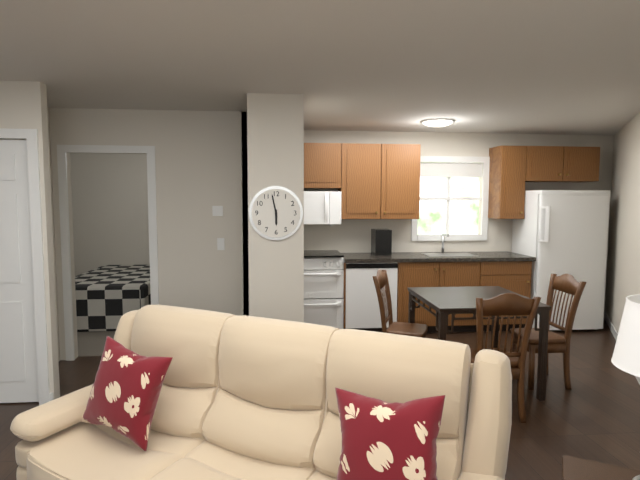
5:58
